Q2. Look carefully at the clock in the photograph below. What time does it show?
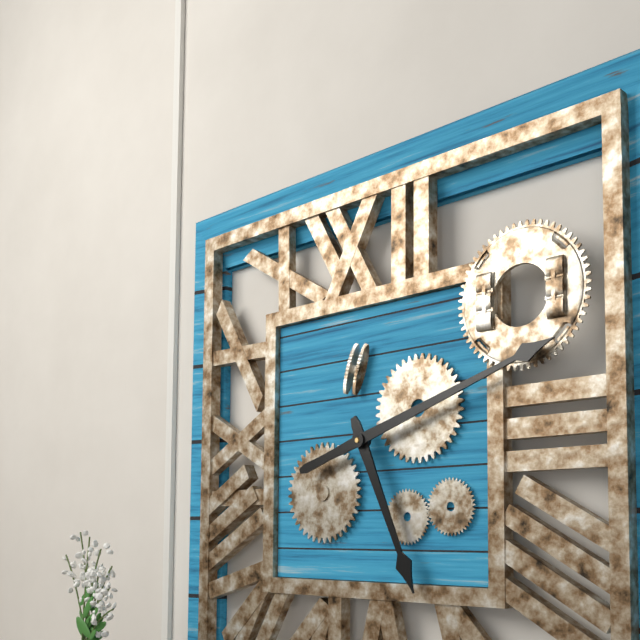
5:12
